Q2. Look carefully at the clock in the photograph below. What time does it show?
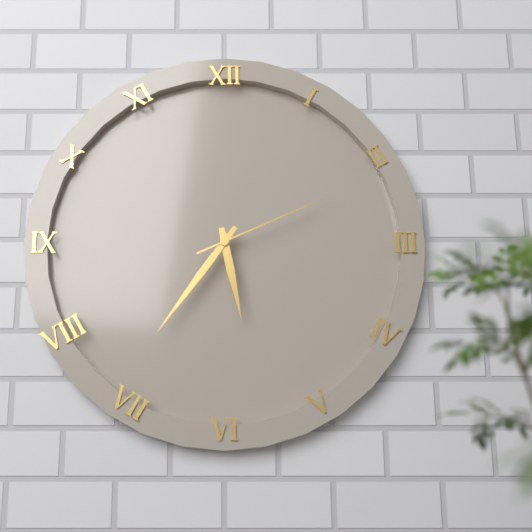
5:36:11
